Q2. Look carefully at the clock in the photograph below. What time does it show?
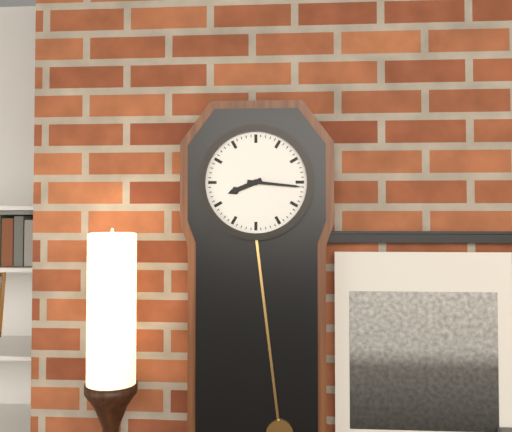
8:16
